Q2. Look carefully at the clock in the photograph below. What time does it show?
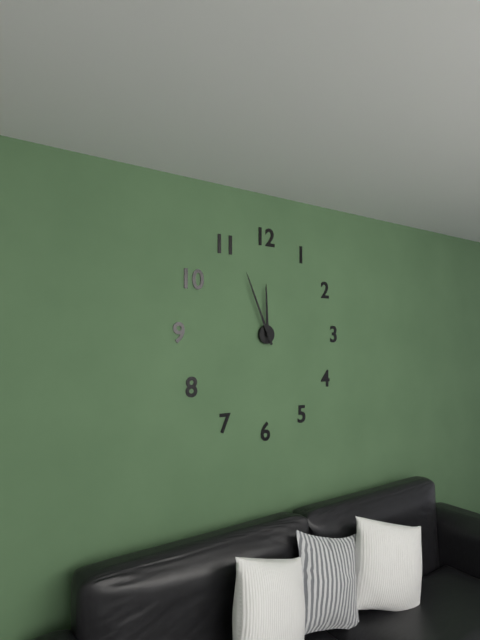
11:56
